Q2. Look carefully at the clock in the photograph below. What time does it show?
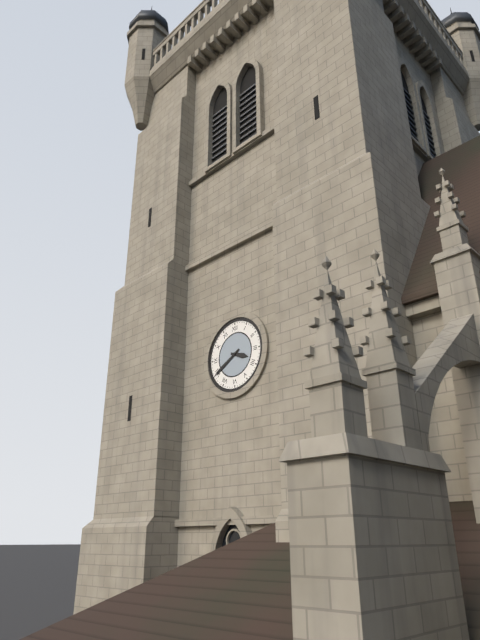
3:40
